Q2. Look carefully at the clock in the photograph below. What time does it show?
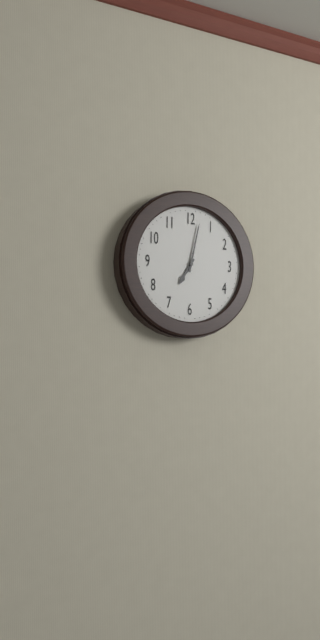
7:02
